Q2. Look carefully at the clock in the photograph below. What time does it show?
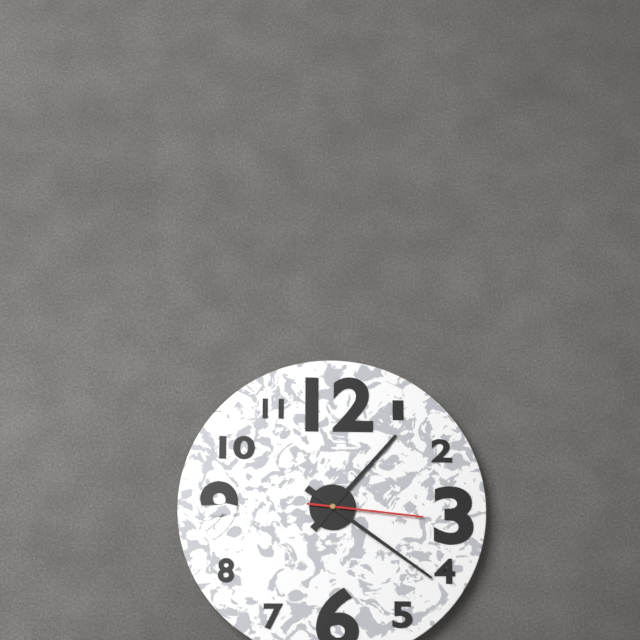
1:21:16
